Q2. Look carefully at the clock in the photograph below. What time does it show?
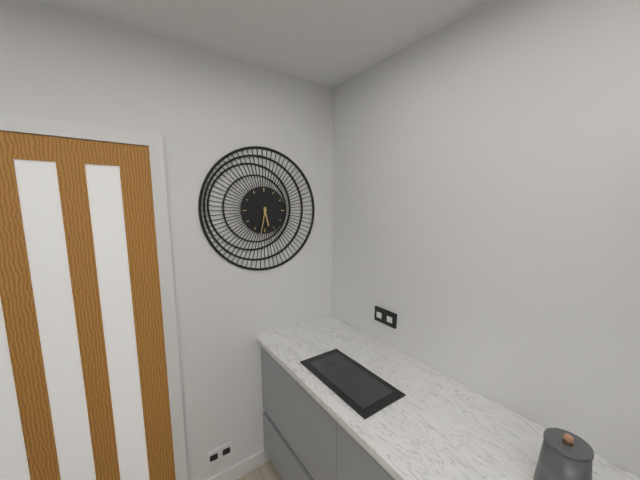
5:32
